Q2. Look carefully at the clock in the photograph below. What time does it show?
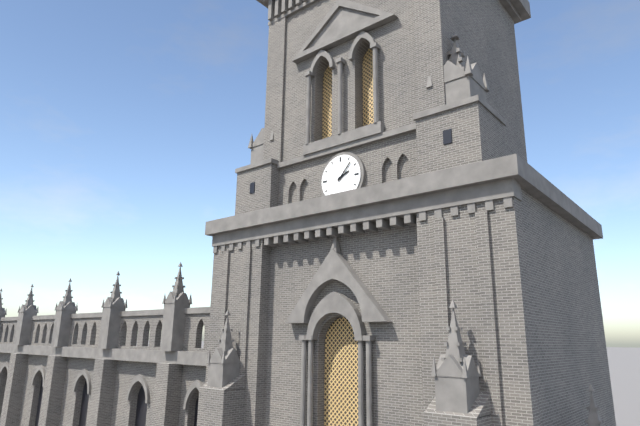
2:07
